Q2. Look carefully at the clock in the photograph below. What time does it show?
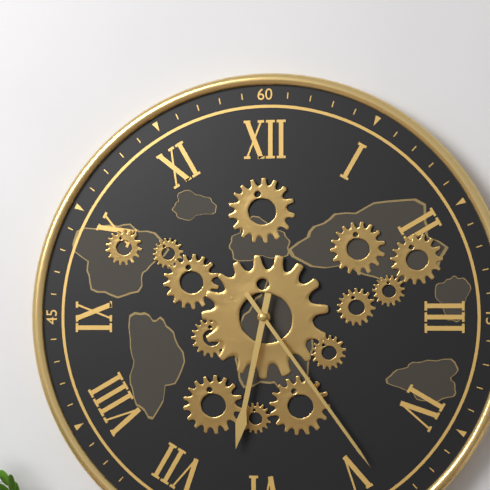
6:24
